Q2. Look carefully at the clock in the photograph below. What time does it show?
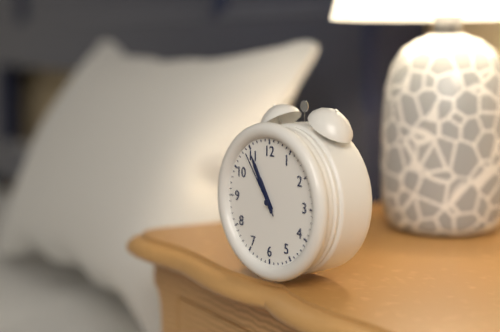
10:55:54
